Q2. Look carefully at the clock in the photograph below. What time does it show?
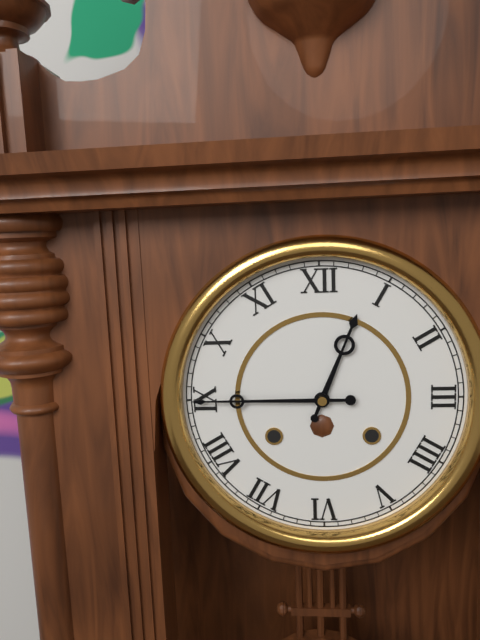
12:45
